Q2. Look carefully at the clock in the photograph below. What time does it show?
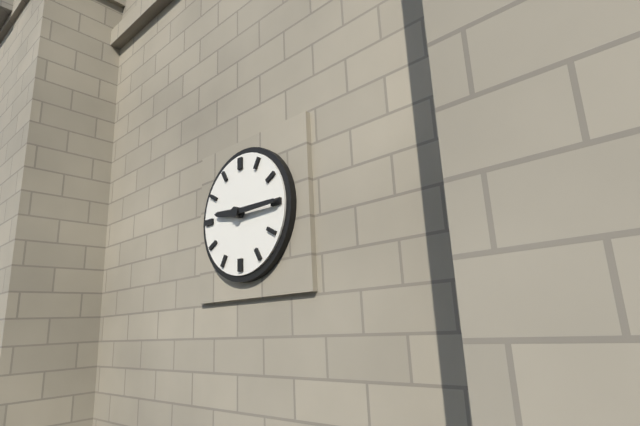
9:15
